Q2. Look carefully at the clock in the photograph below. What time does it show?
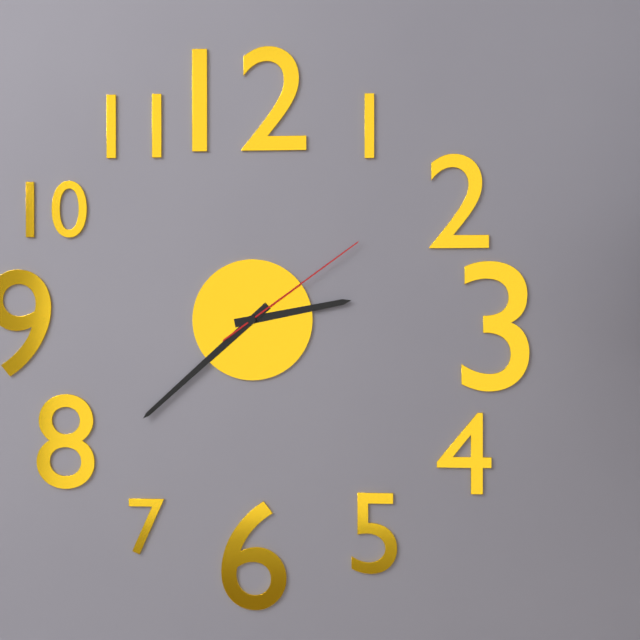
2:38:09
